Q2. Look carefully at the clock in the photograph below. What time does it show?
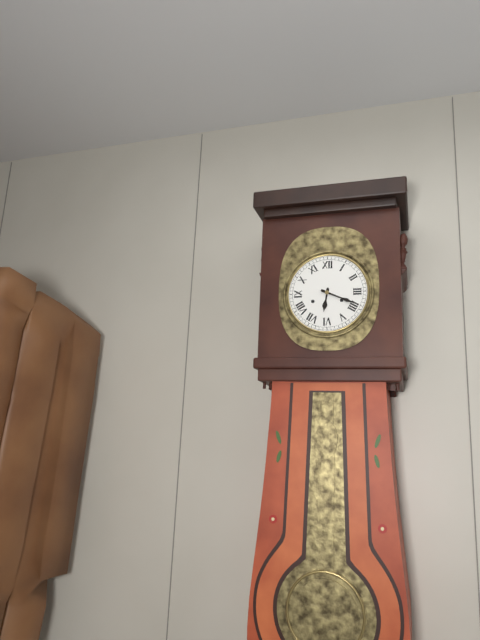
6:19
